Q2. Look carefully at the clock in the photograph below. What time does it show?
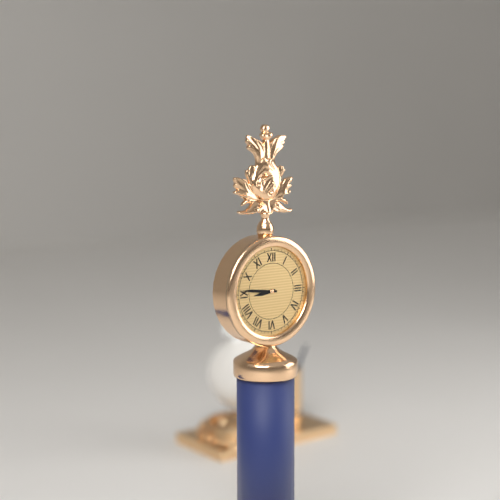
8:46
